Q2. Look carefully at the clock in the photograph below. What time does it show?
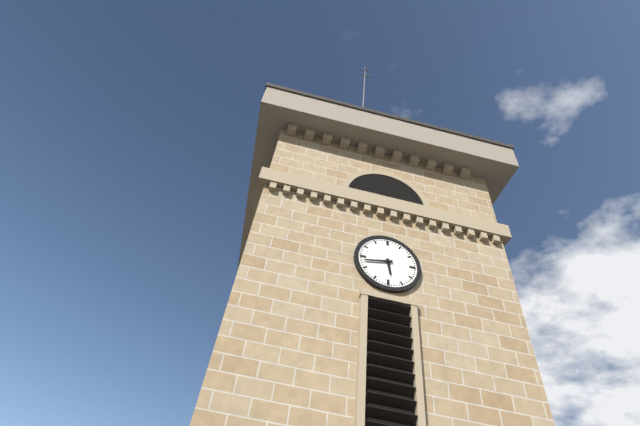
5:43
